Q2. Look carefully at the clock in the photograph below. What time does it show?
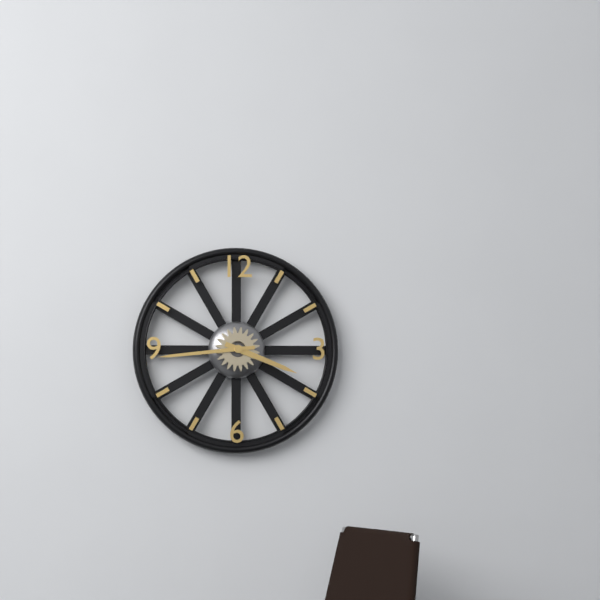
3:44
